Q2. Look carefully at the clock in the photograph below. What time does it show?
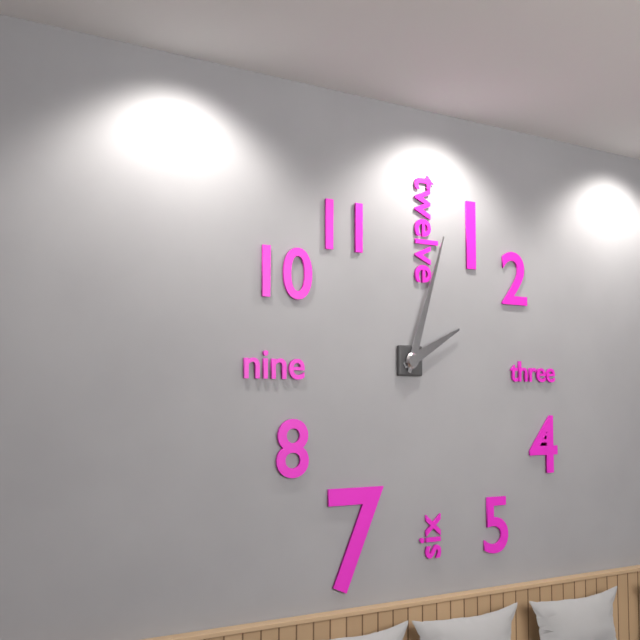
2:03
